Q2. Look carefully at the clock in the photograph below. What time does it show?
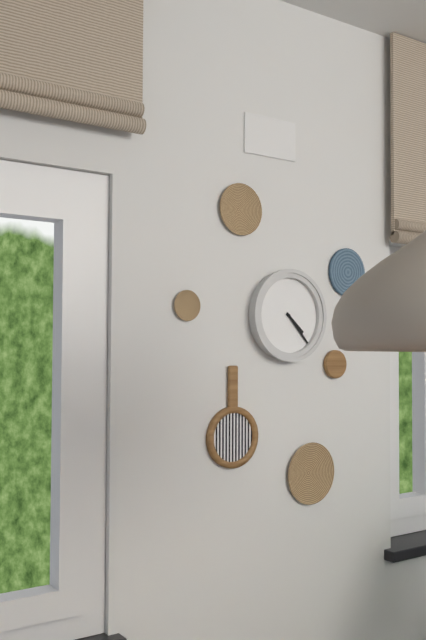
4:23
